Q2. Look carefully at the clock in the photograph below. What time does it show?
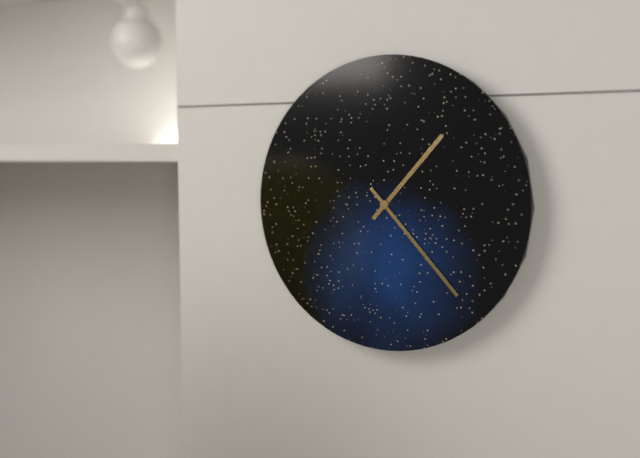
1:23
